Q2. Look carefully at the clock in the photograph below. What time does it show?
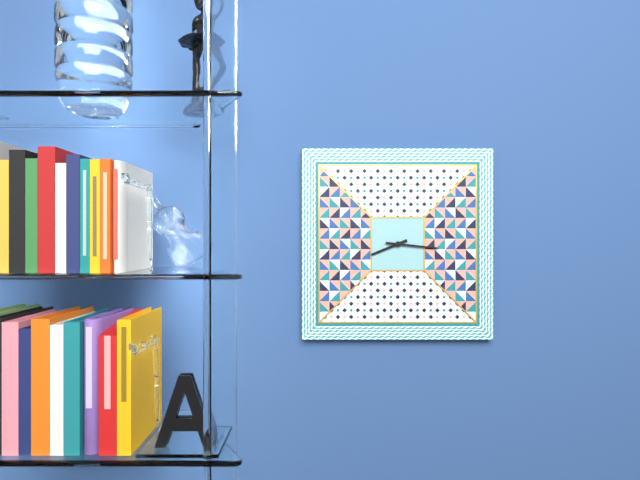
8:16
